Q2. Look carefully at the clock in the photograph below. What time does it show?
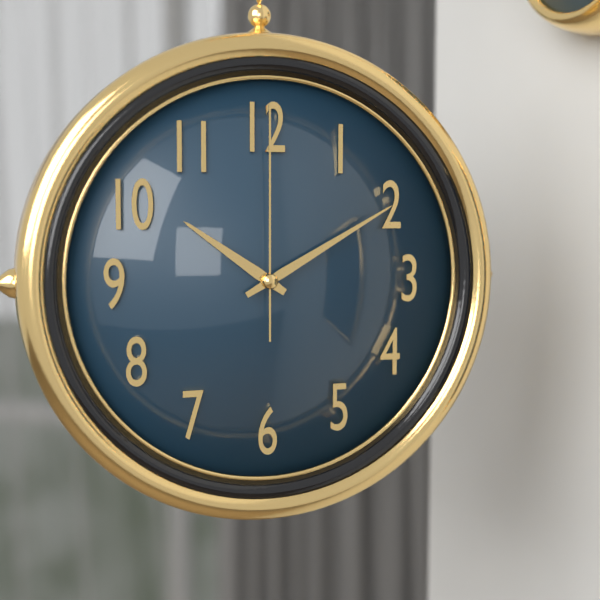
10:10:00
